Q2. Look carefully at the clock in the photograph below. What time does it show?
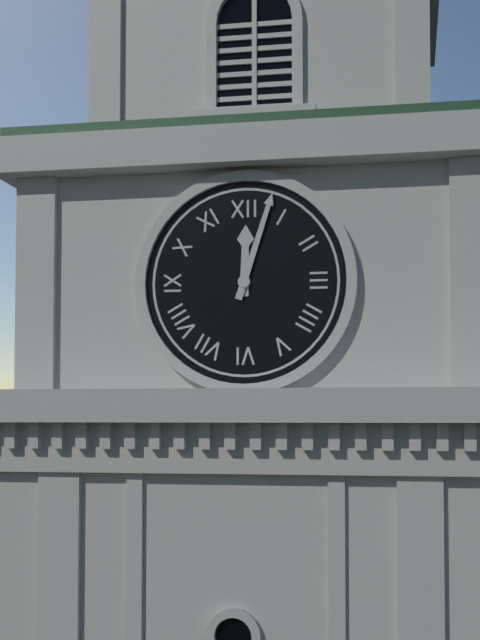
12:03
